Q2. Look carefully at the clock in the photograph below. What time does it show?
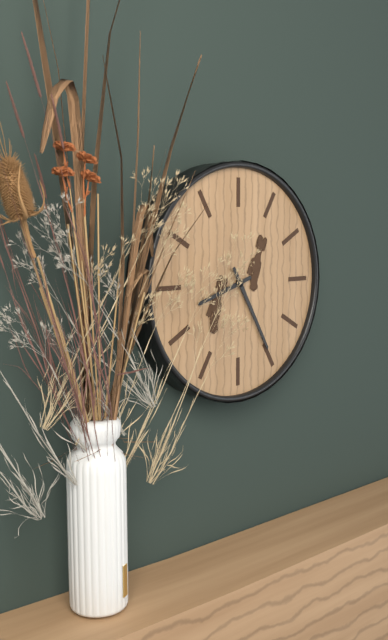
8:25
